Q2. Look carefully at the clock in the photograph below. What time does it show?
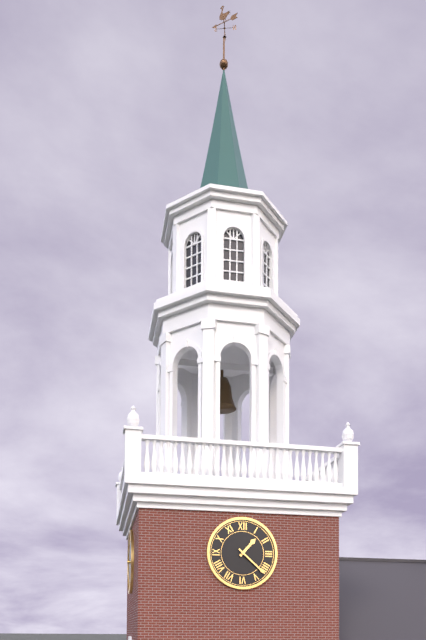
1:22
